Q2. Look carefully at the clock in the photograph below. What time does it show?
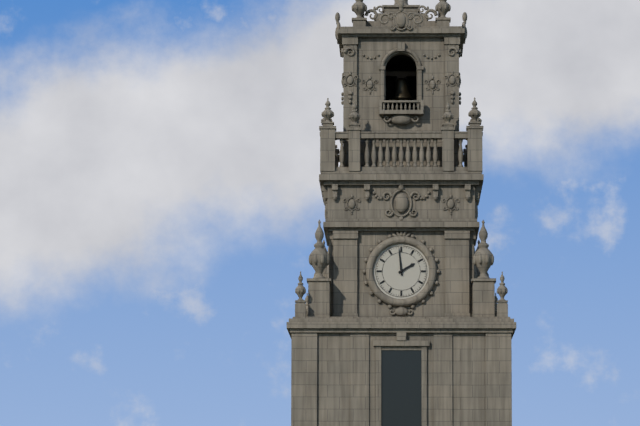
1:59
